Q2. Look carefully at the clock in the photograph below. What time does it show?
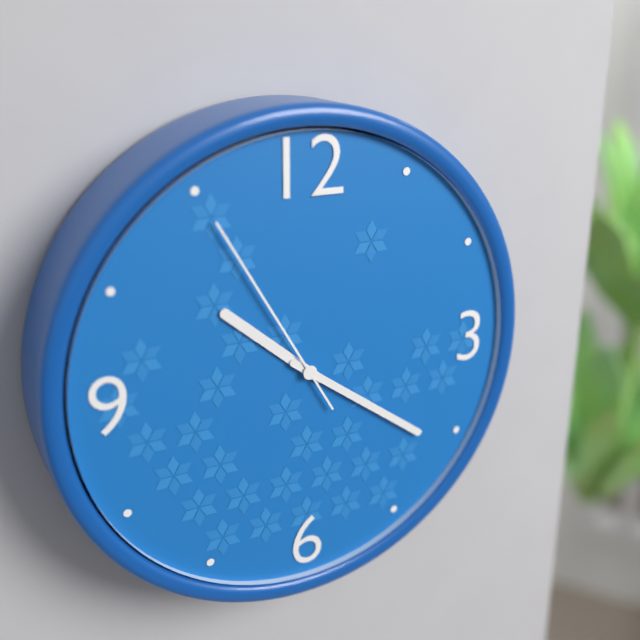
10:21:55
